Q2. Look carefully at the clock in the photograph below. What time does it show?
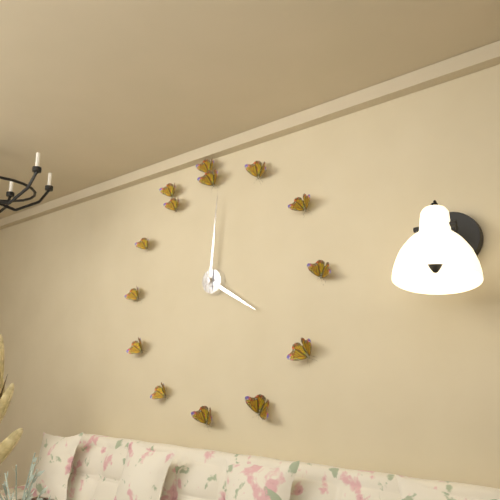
4:01
